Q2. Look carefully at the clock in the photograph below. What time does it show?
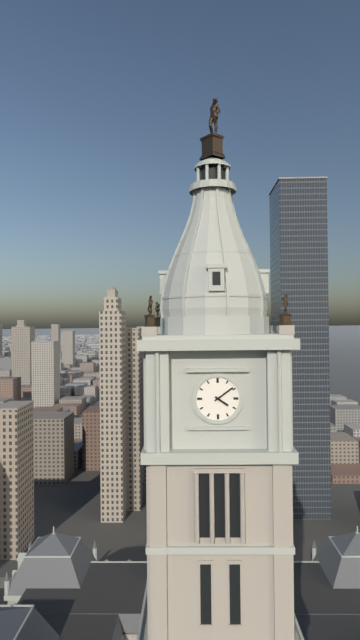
4:09
